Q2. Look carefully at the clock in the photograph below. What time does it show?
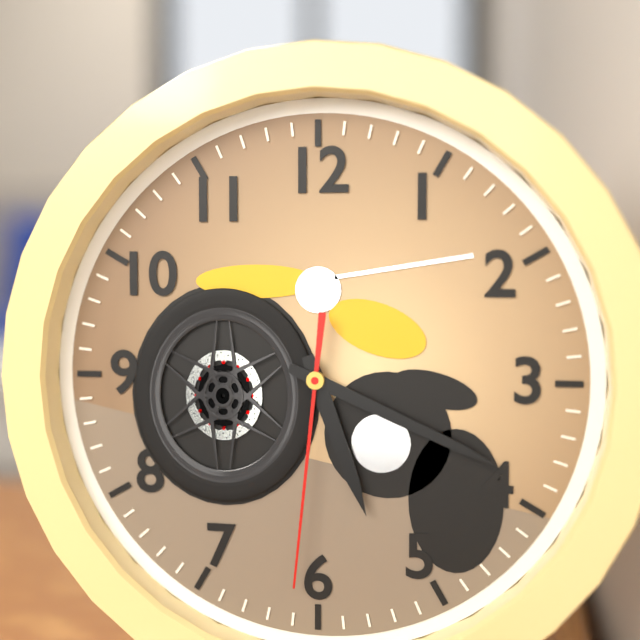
5:19:31
